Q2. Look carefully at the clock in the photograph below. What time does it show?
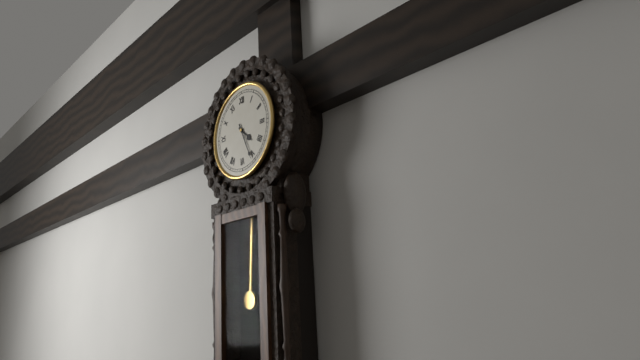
4:26
